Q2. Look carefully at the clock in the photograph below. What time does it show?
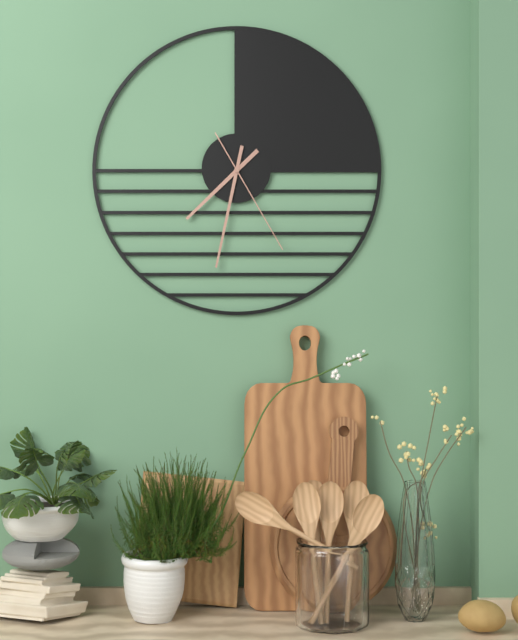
7:32:25
